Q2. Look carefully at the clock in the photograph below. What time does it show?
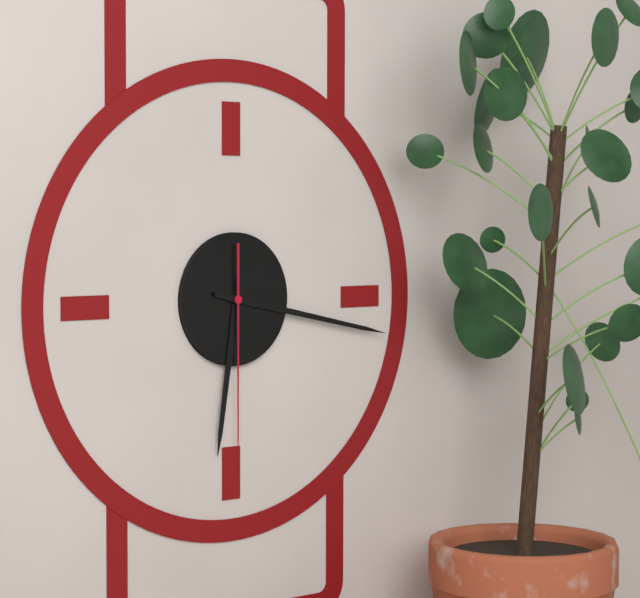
6:17:30
